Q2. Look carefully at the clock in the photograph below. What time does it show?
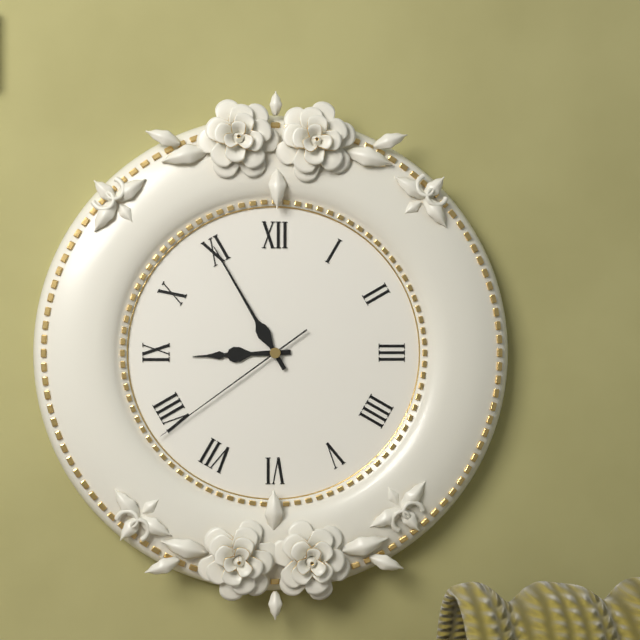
8:55:39
